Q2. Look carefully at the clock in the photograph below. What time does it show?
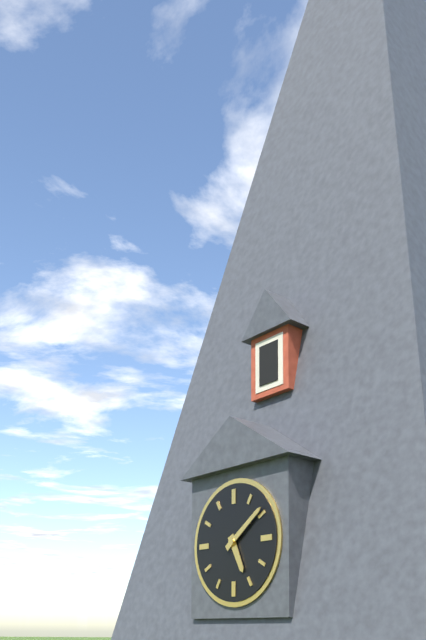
5:09
